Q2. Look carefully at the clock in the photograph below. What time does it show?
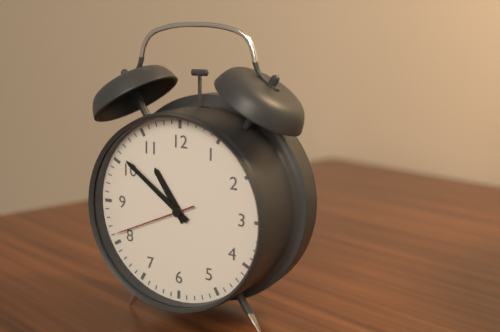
10:51:41
